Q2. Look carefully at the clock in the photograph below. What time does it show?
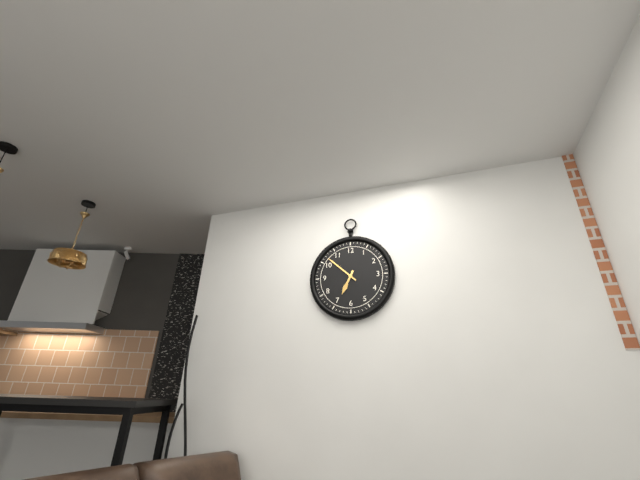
6:52
